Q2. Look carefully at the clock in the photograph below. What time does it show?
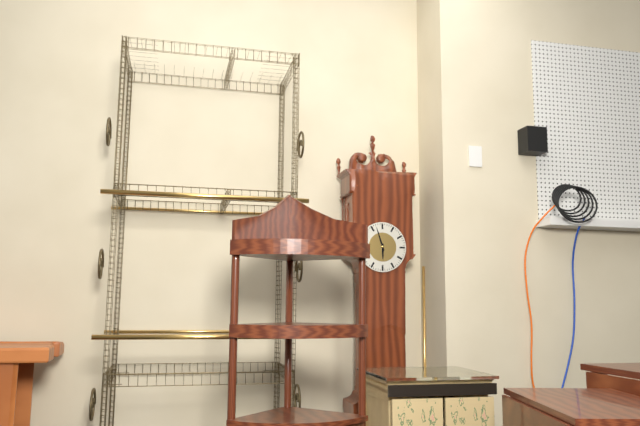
5:57
